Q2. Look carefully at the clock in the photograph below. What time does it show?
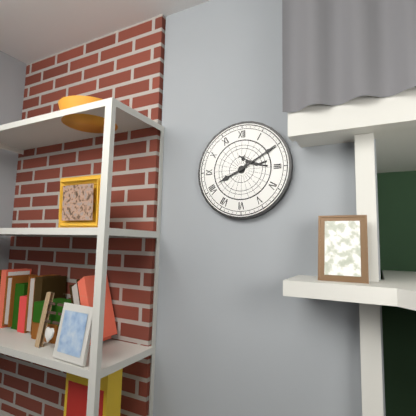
8:10
